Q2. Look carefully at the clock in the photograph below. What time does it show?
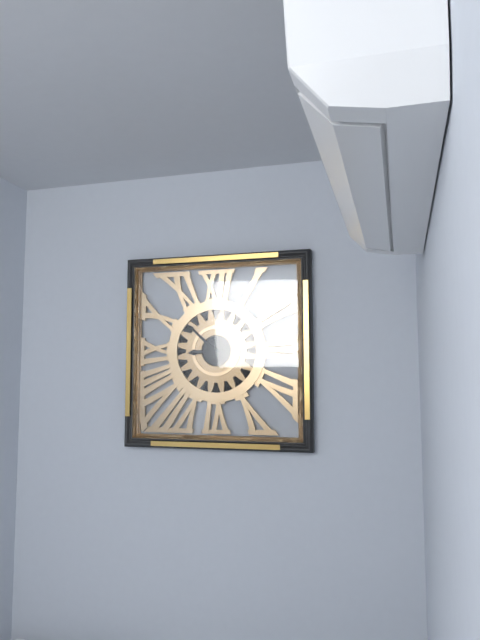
8:52
